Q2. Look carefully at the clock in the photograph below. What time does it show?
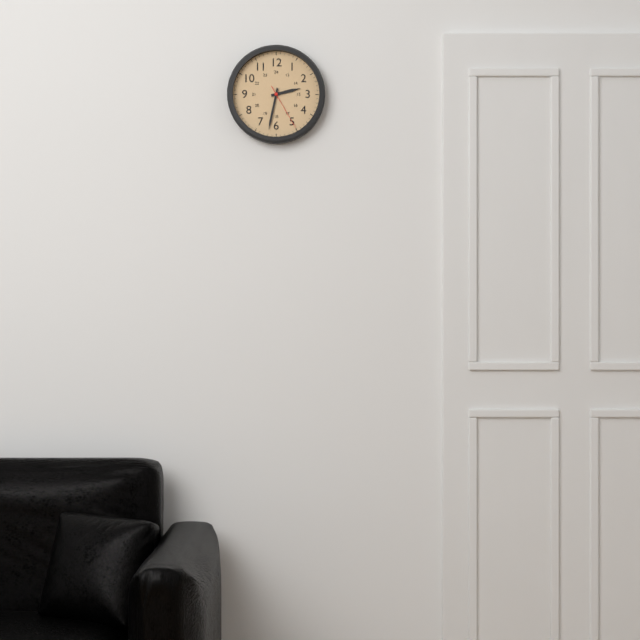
2:32
